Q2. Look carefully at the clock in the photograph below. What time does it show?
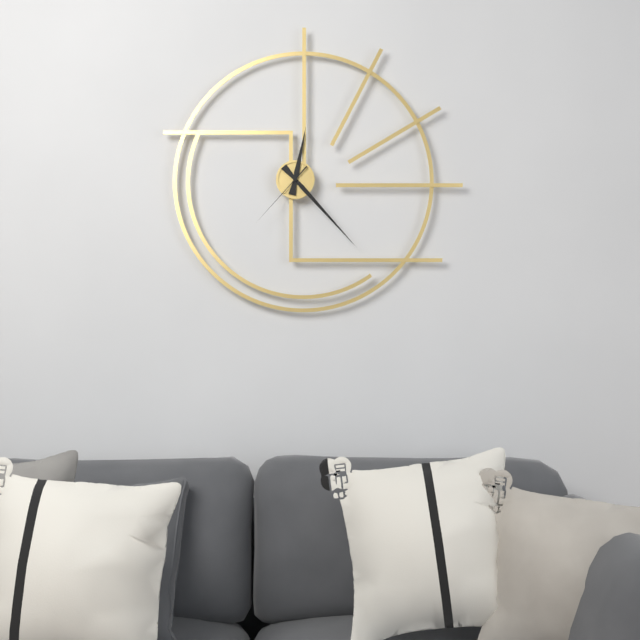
12:23:37
